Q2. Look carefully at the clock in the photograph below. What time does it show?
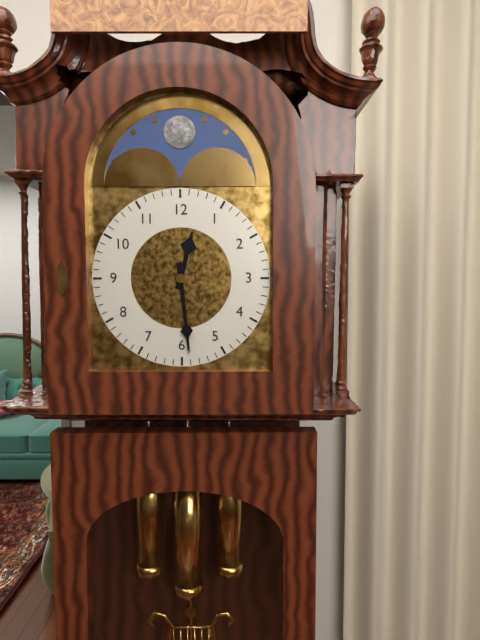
12:29
